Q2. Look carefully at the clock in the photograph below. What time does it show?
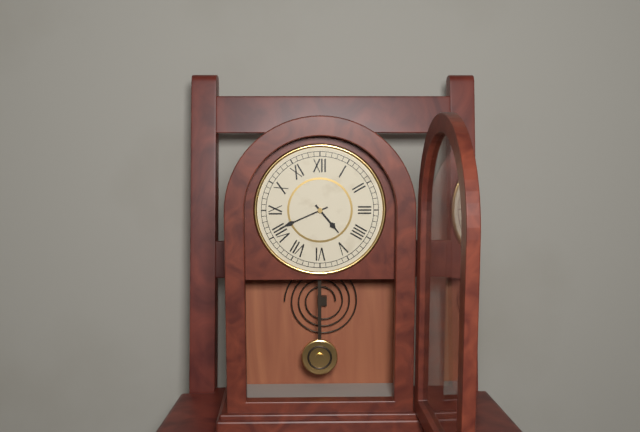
4:41
